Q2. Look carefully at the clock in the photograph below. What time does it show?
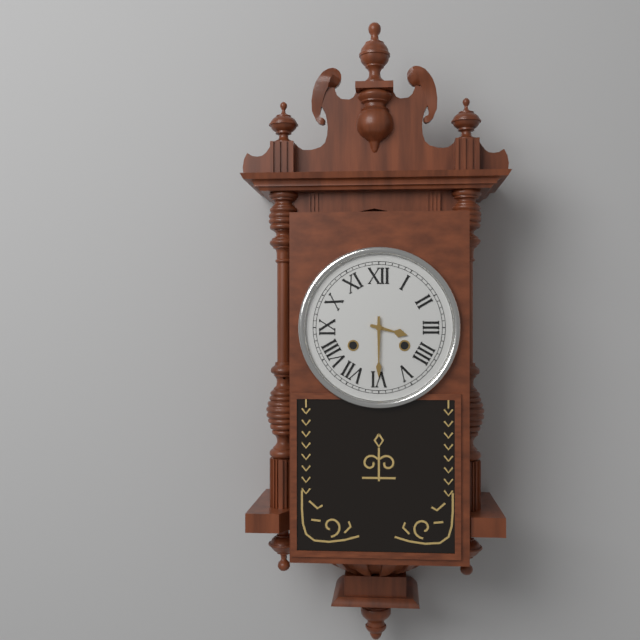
3:30
